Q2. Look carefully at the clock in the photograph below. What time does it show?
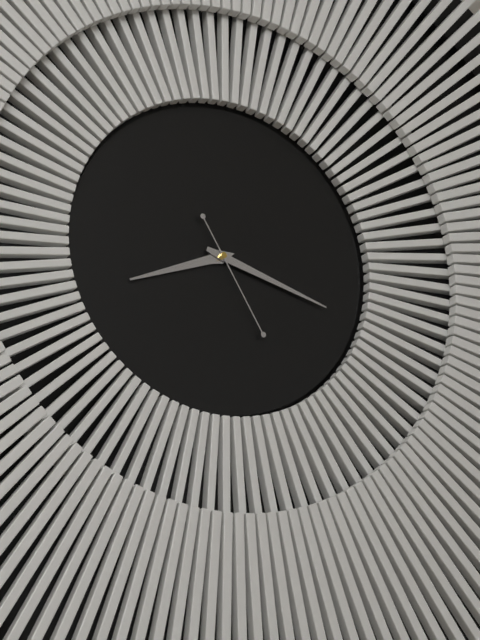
8:18:25
